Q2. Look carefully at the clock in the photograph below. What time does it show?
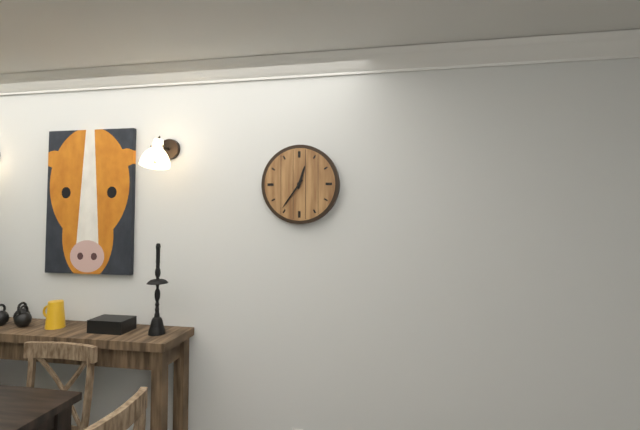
12:36
